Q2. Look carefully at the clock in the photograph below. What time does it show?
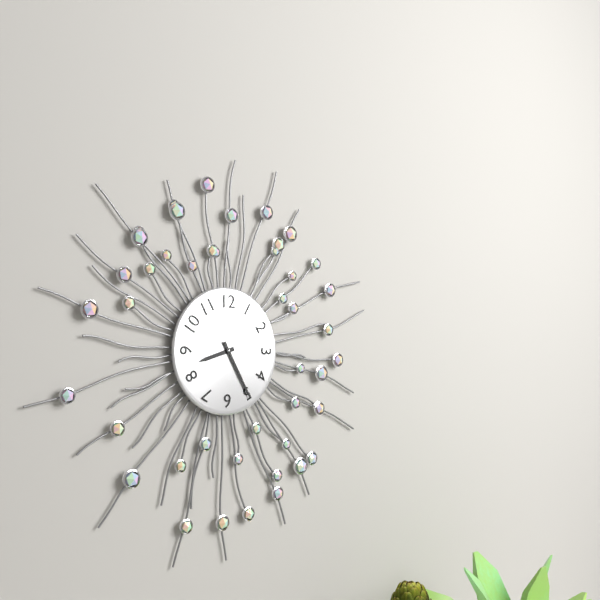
8:25
